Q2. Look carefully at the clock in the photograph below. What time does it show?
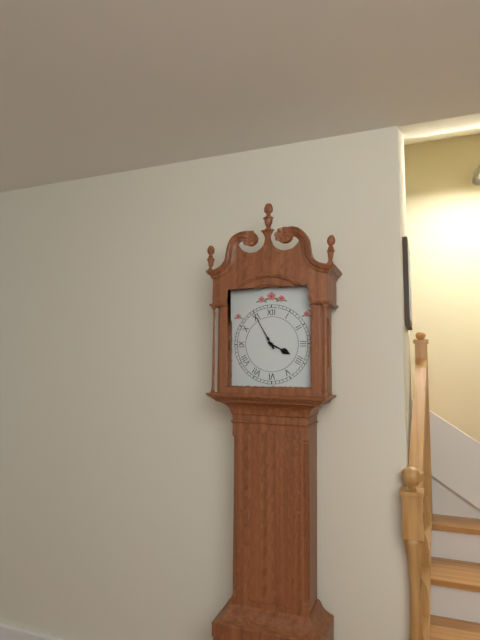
3:55
